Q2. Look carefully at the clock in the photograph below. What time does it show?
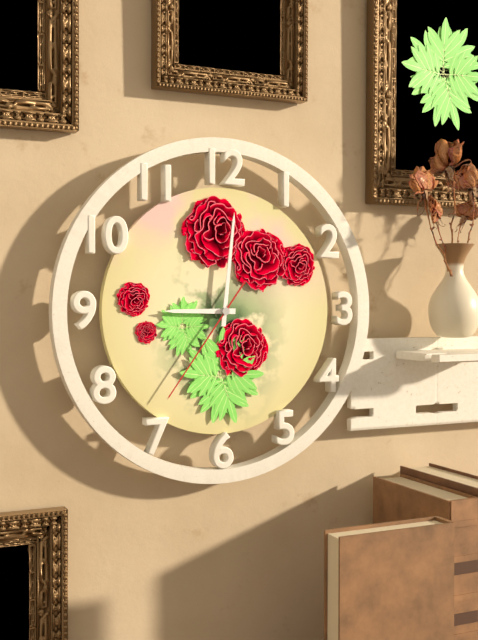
9:01:36
